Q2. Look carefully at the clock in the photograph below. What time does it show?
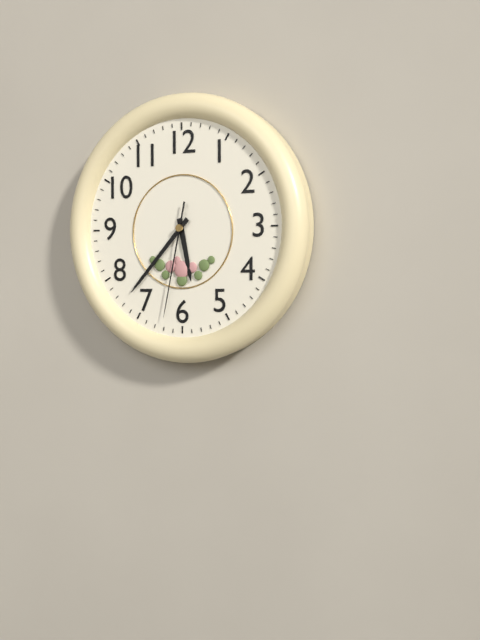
5:37:32
